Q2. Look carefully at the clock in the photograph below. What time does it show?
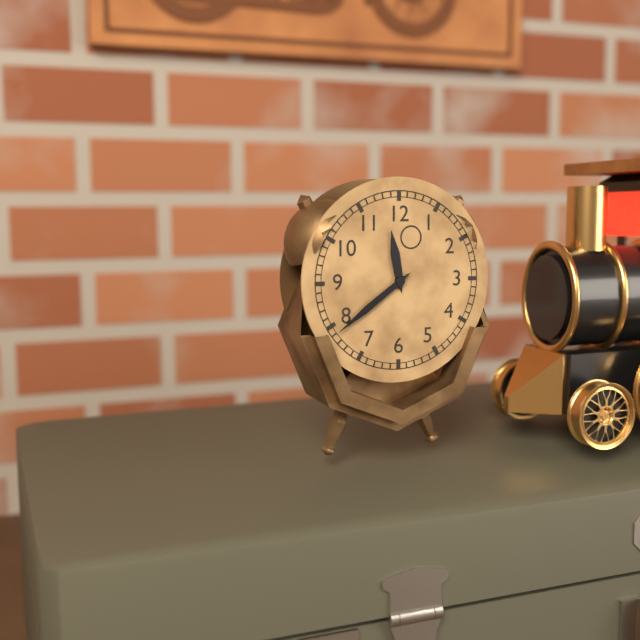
11:39
